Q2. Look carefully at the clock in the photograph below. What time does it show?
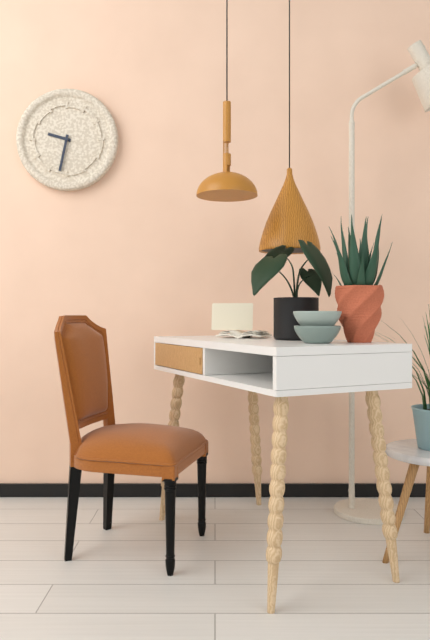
9:32
